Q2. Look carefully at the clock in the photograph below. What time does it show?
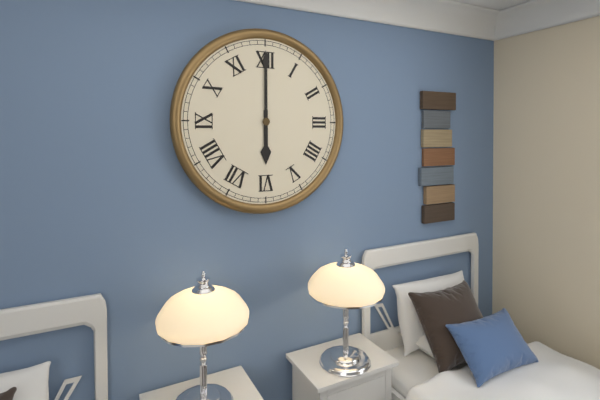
6:00
